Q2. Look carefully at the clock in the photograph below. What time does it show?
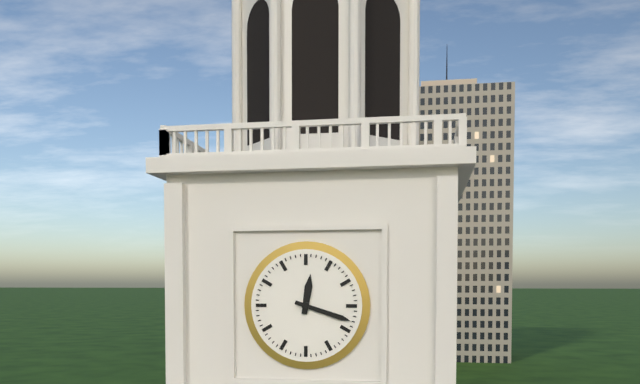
12:18
